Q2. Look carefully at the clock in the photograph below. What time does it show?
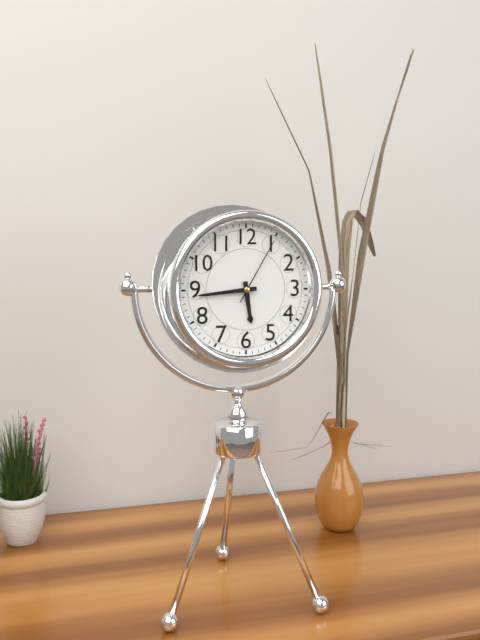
5:44:05
